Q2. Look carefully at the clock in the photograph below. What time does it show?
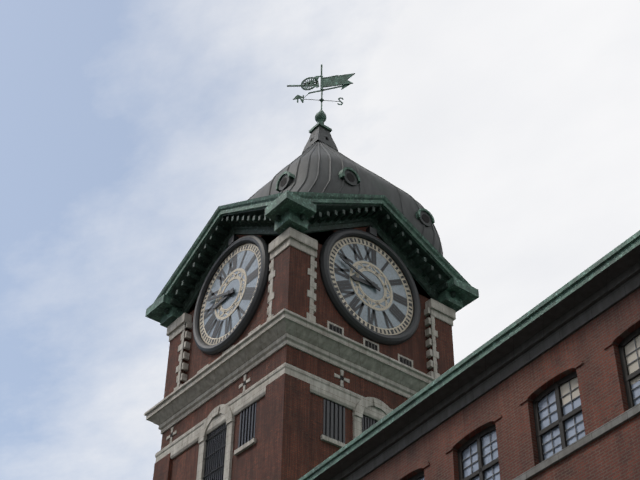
8:48
